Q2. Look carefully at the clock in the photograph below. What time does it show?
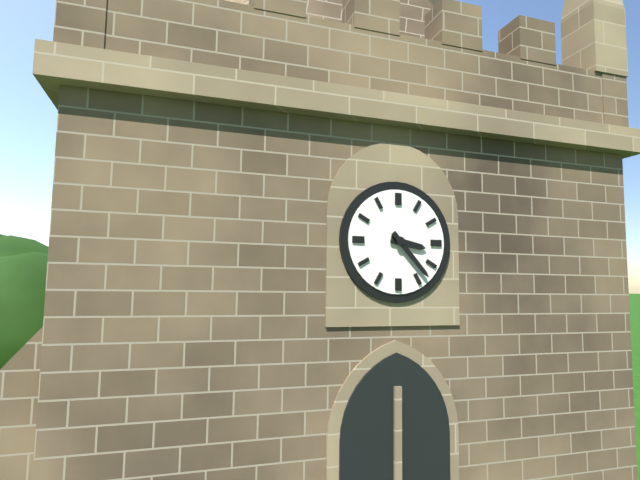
3:23
